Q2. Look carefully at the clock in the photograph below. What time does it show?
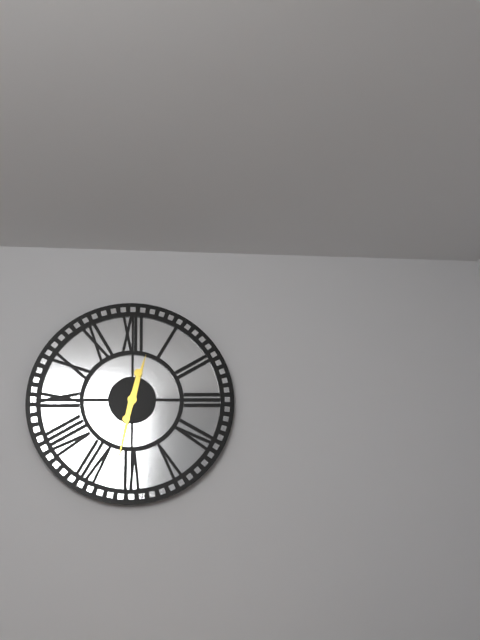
12:32
